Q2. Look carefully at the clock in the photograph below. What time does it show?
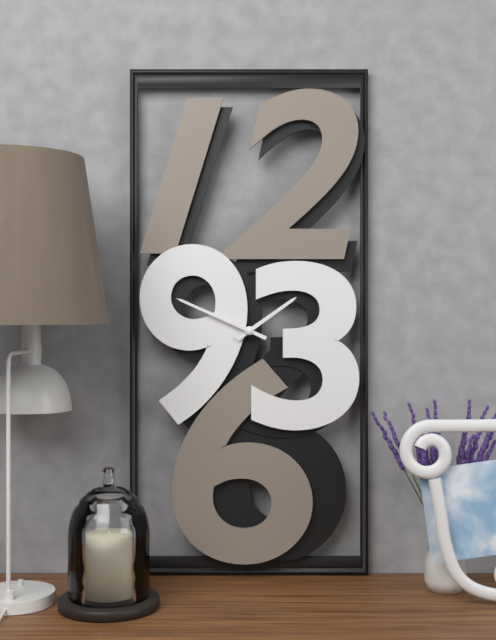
1:49
